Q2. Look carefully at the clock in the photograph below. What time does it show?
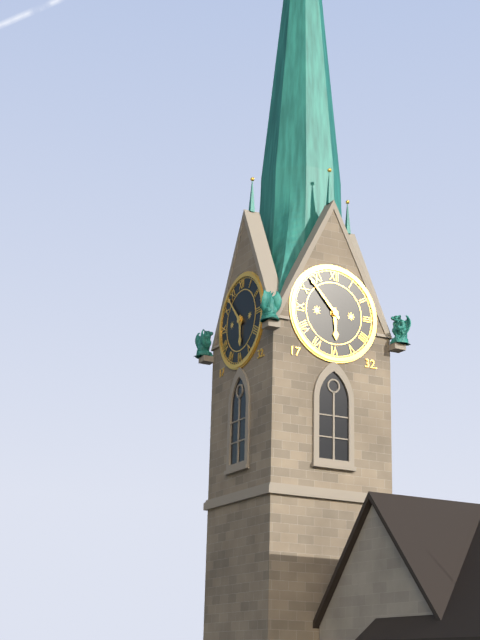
5:53
